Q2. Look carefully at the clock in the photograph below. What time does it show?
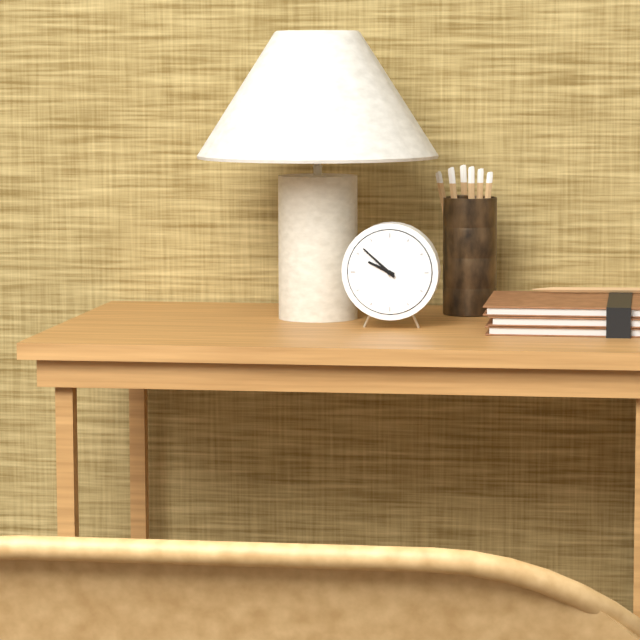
9:52
